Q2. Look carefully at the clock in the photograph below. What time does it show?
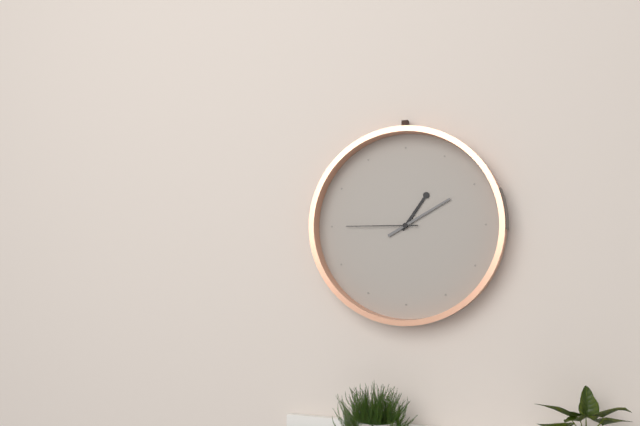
1:10:45
